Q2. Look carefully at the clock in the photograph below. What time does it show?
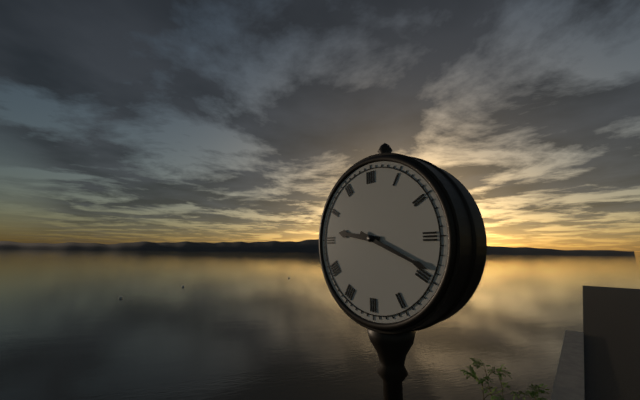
9:19
